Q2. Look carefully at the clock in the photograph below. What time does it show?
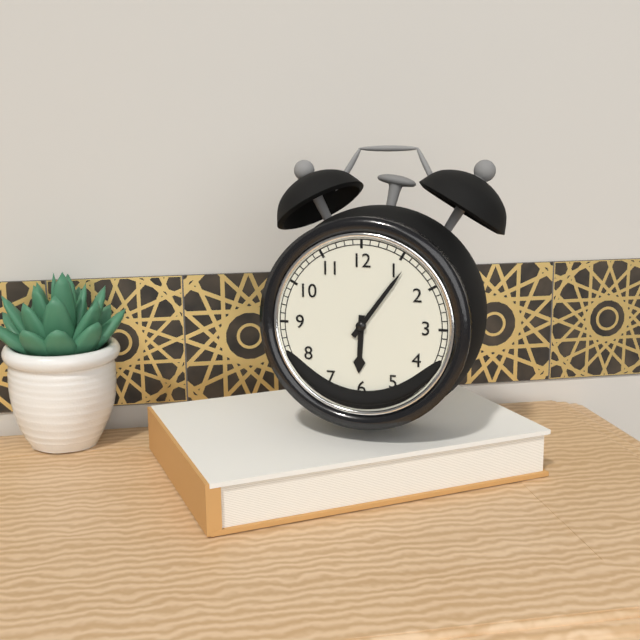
6:06
